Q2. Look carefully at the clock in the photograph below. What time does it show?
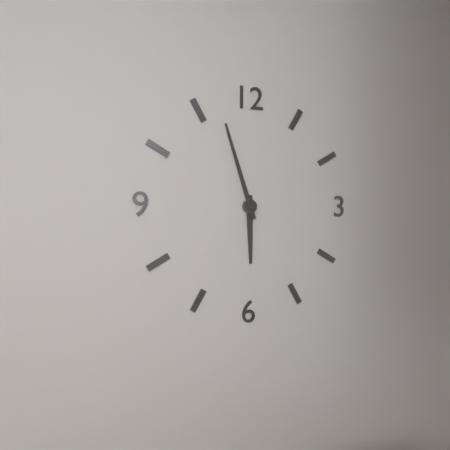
5:57
